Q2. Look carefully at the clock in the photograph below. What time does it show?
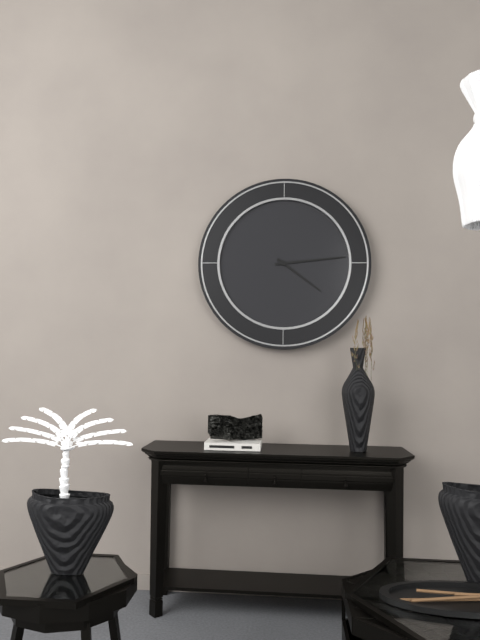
4:14
